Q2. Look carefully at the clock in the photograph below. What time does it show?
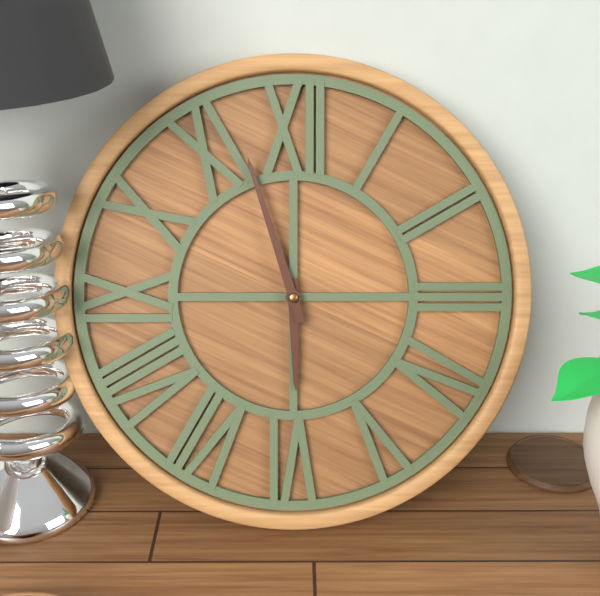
5:57
